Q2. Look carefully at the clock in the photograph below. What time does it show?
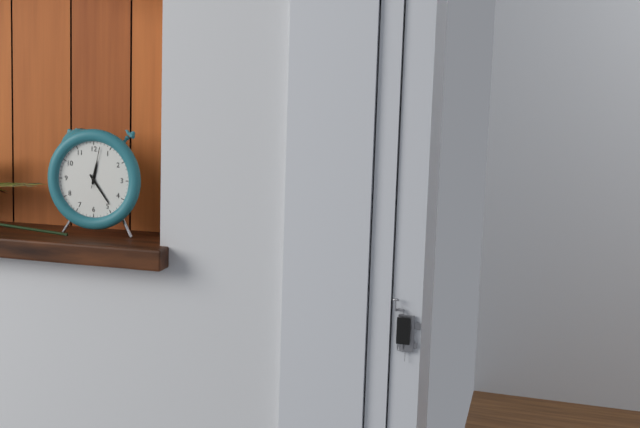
12:24
